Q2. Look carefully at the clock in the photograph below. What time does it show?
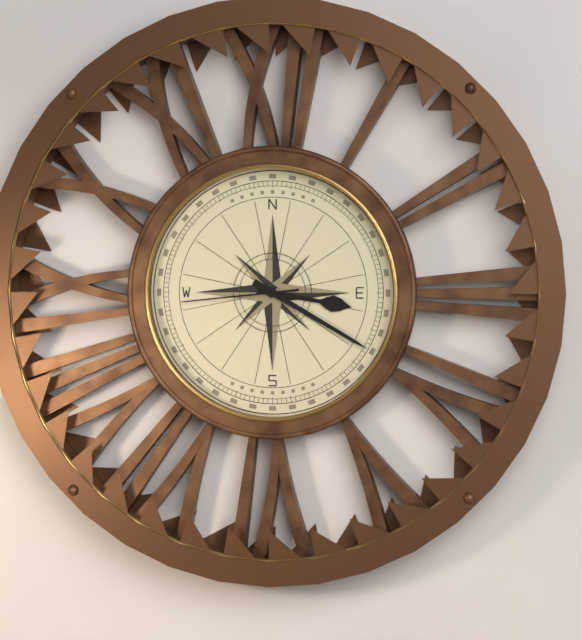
3:20:44
